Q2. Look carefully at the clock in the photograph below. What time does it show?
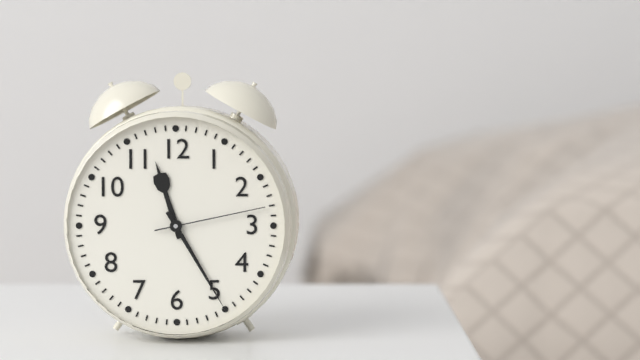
11:25:13
